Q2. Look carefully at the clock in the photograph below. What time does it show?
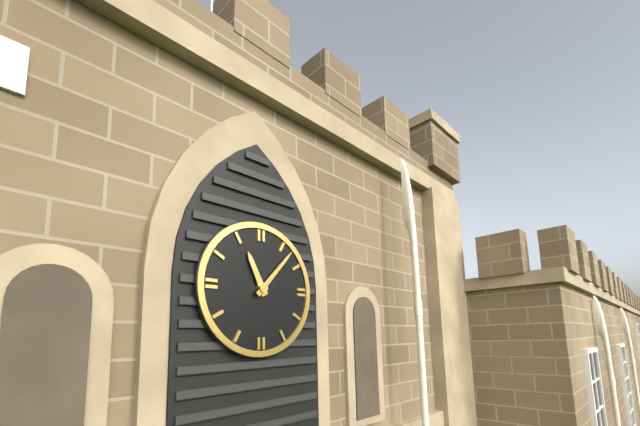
11:07
